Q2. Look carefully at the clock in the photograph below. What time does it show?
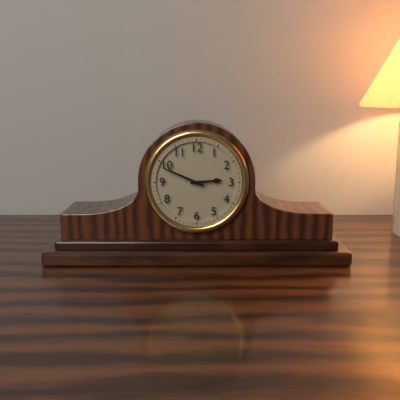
2:49
